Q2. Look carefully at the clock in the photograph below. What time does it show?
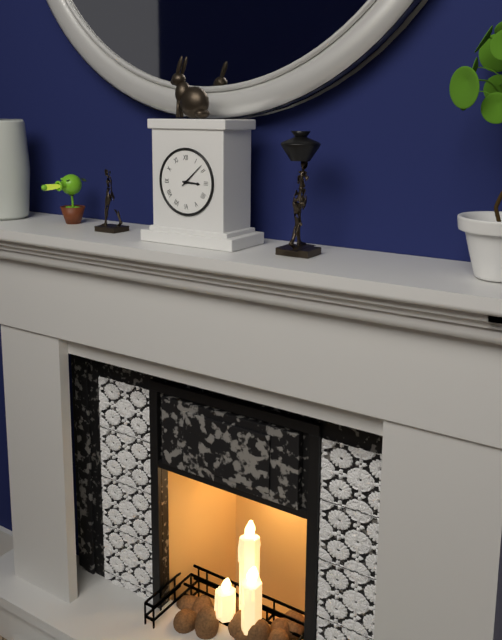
3:08
